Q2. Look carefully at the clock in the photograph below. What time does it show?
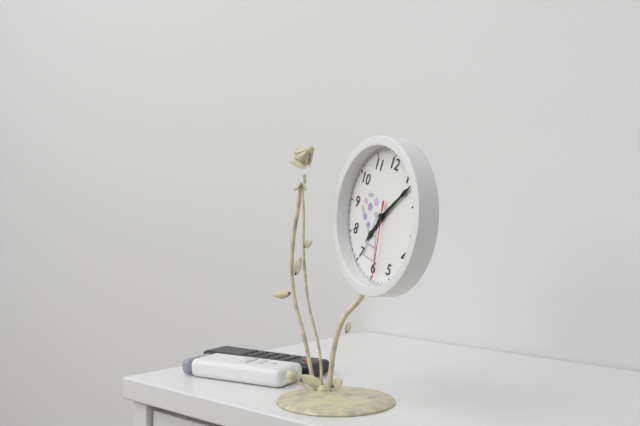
7:07:29
